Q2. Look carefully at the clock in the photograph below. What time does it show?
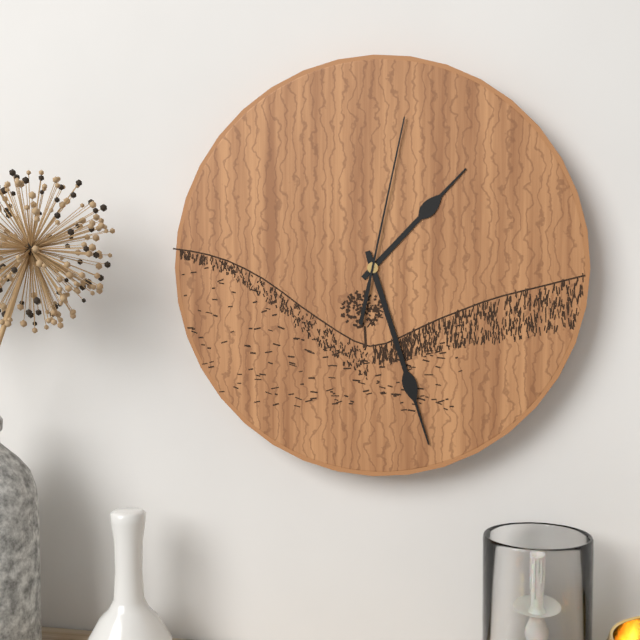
1:27:02
